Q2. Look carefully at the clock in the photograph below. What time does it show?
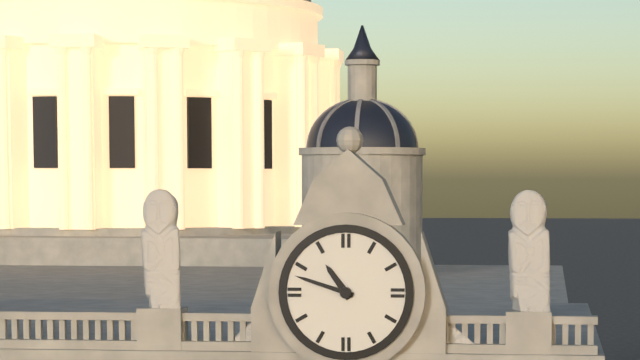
10:48
